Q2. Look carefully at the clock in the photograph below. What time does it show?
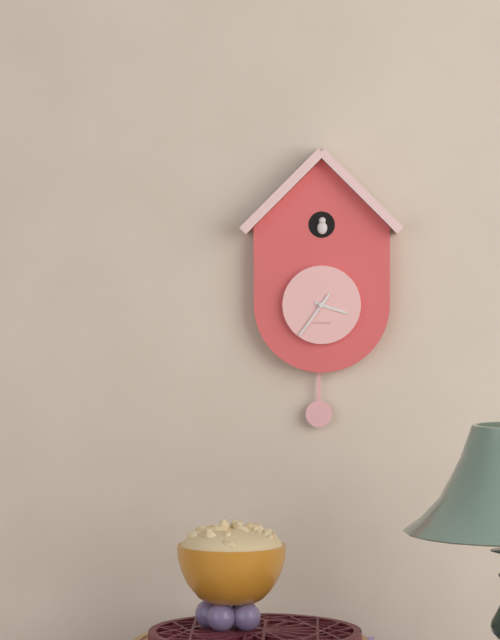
3:36
